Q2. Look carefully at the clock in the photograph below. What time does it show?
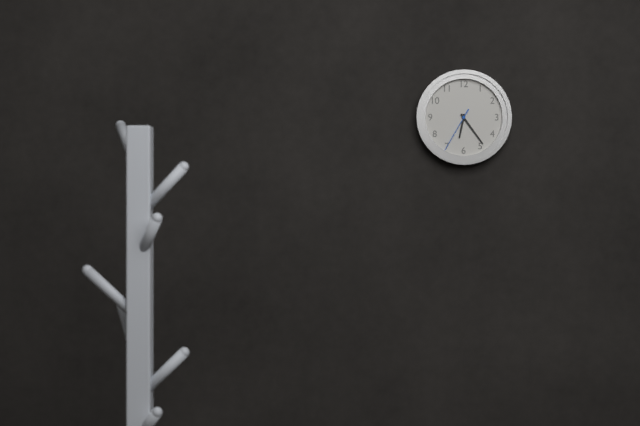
6:24
